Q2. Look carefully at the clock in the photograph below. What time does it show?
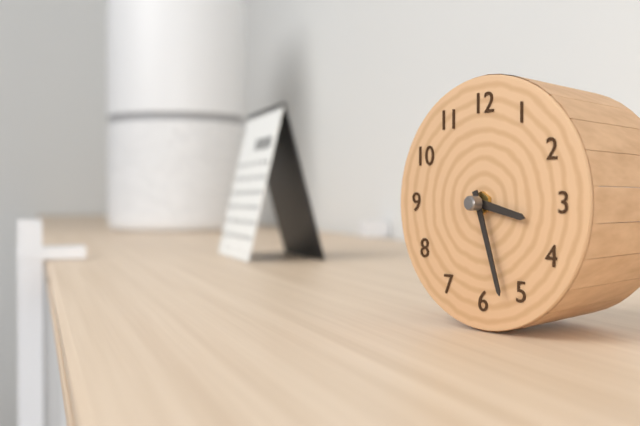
3:27
